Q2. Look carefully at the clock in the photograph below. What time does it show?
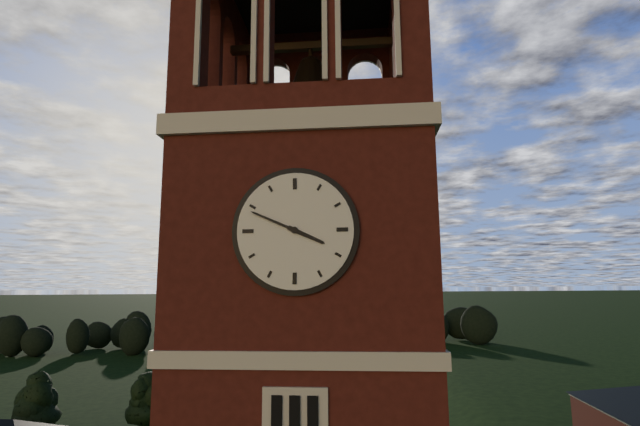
3:49
